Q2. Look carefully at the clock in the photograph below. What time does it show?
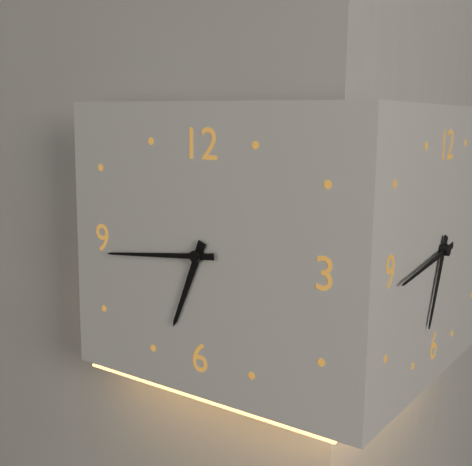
6:44
